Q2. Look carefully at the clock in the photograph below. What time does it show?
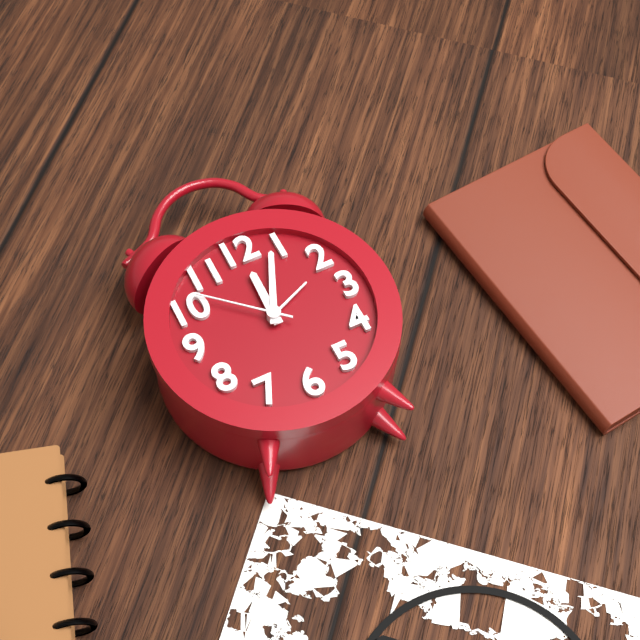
12:04:52
